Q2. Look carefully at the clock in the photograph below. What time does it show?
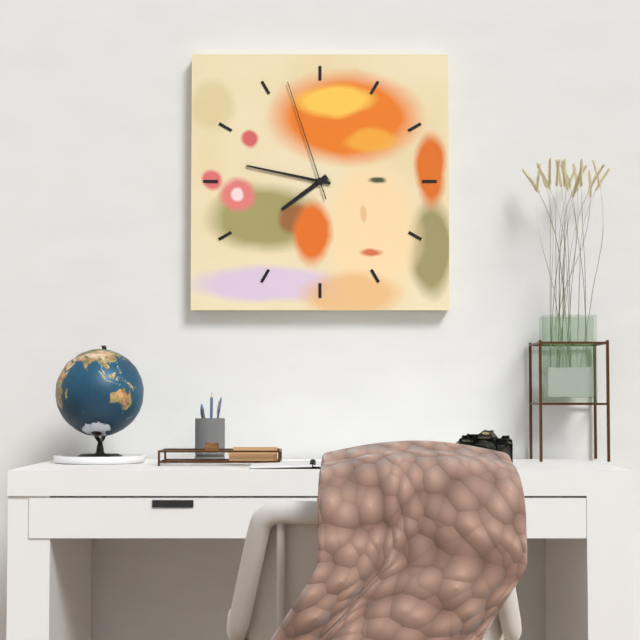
7:47:57
